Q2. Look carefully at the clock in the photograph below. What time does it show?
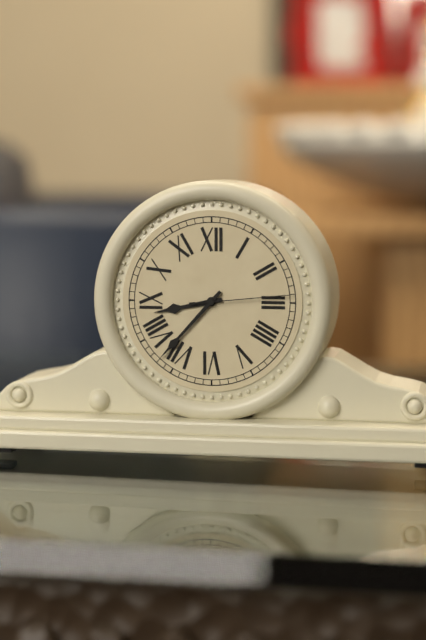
8:37:14
